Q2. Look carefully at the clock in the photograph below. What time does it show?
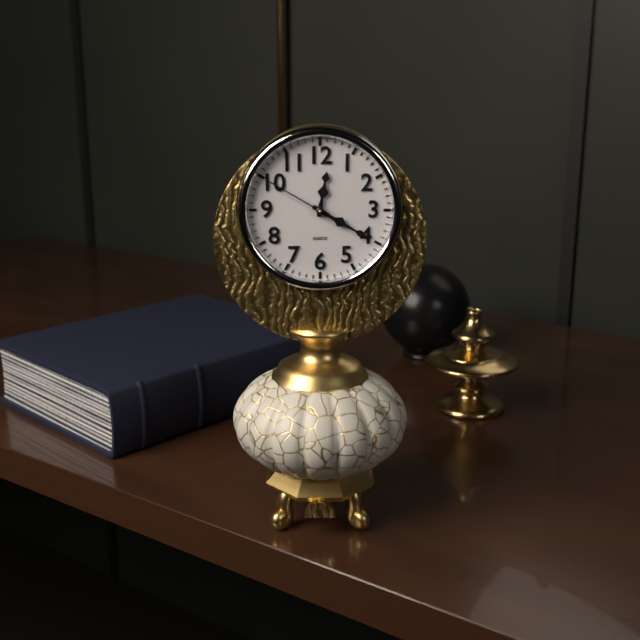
12:20:50
